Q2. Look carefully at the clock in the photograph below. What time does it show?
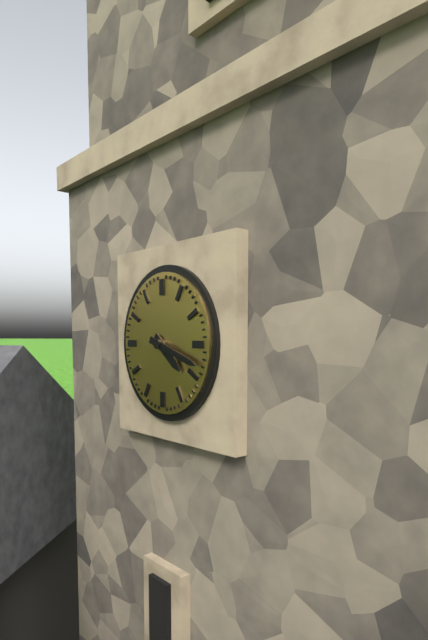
4:18
